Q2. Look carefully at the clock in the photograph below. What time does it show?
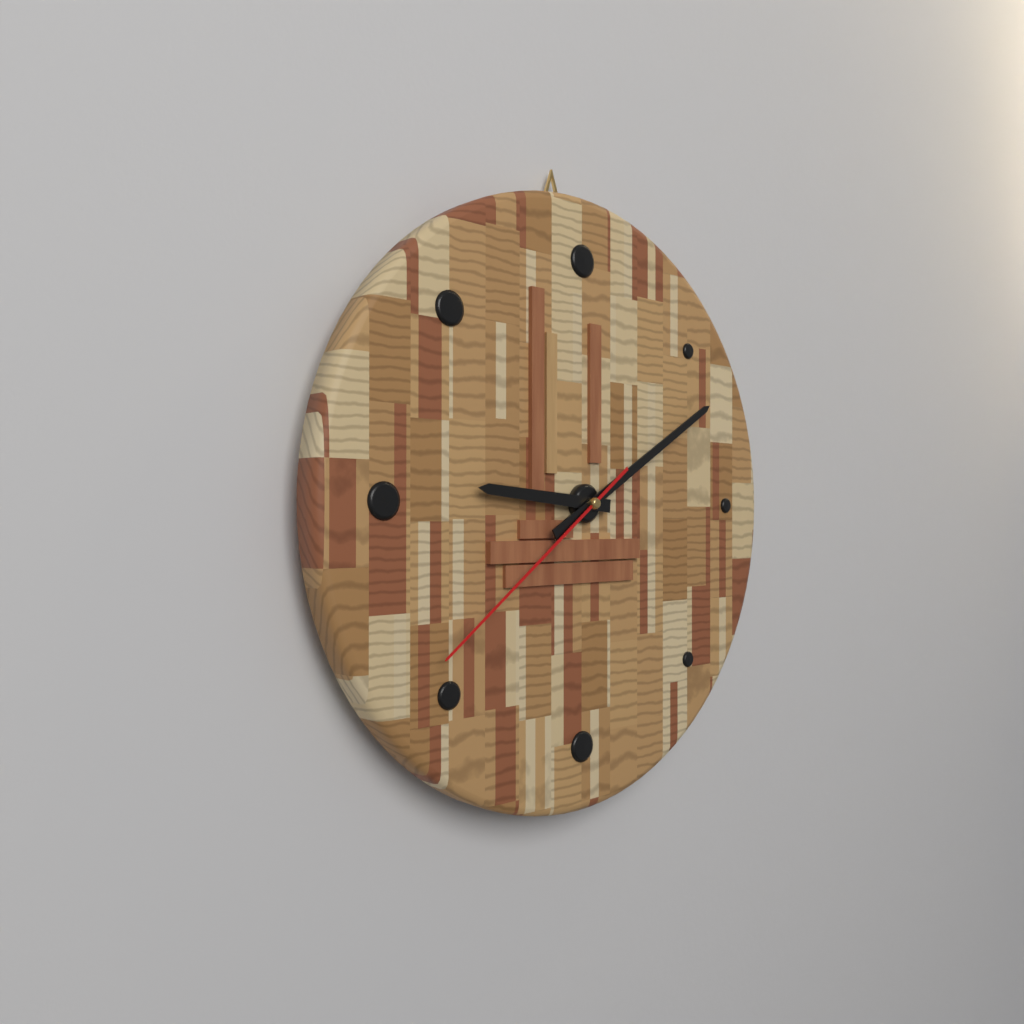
9:10:39
